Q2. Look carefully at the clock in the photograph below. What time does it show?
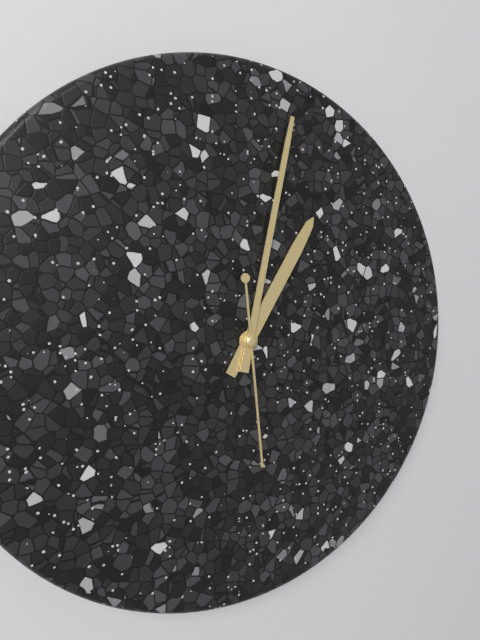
1:02:29
